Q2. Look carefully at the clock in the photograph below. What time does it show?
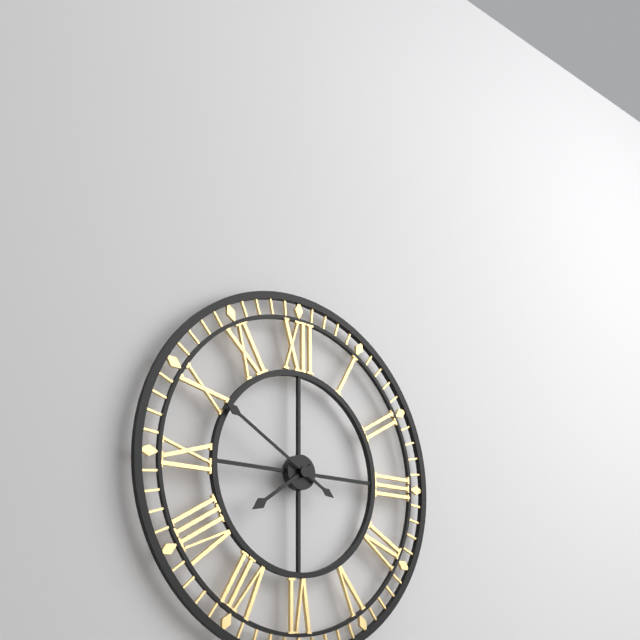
7:50
